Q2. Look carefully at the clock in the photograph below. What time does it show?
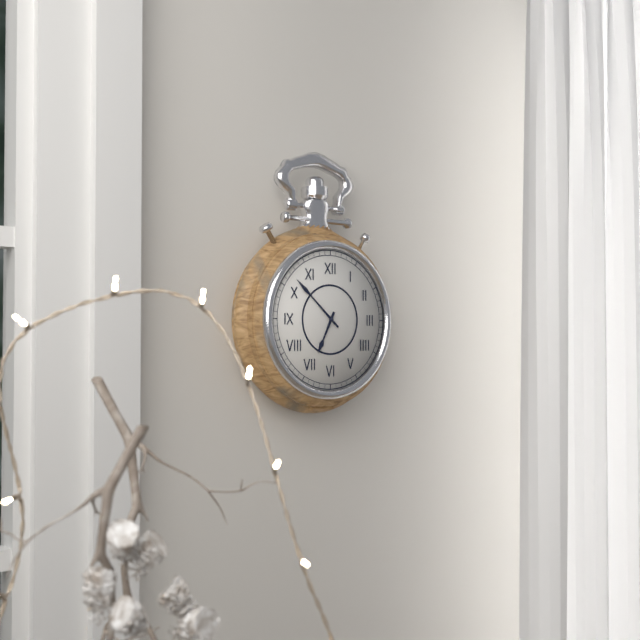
6:52
